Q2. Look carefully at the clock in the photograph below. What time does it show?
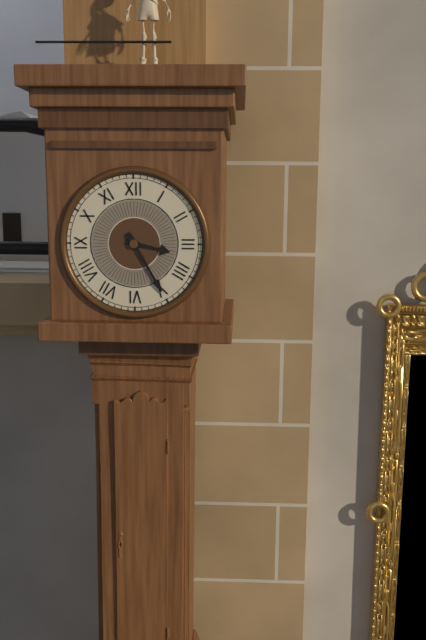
3:25
